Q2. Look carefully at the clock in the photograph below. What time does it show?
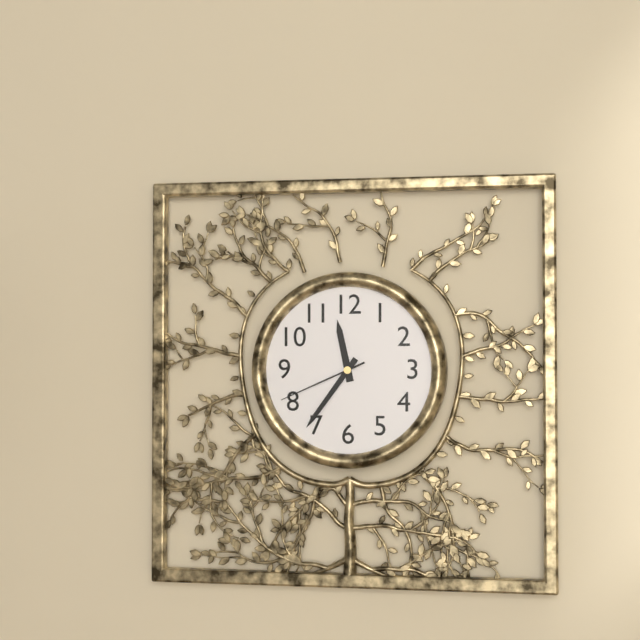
11:36:41
